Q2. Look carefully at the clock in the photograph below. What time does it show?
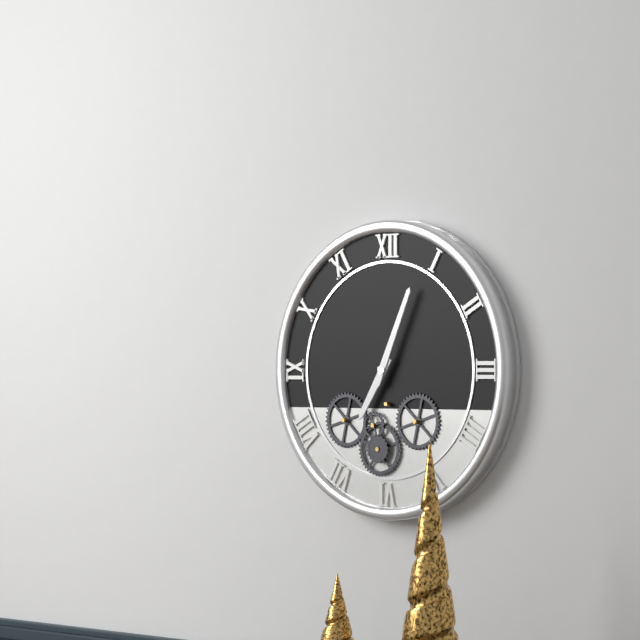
7:04
